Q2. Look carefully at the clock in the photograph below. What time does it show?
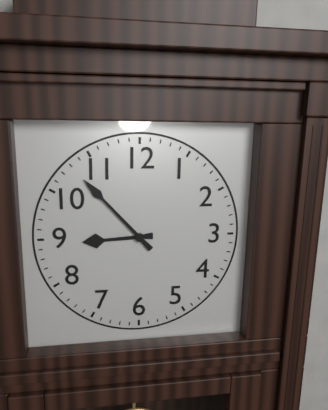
8:53
